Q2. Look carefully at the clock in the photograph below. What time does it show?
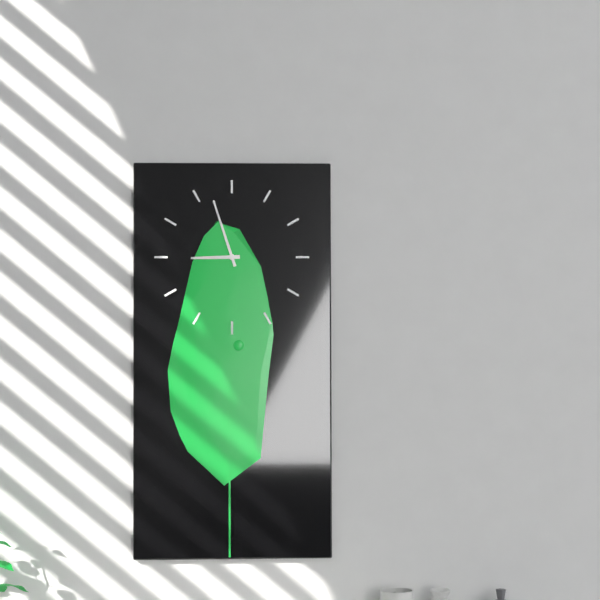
8:57
